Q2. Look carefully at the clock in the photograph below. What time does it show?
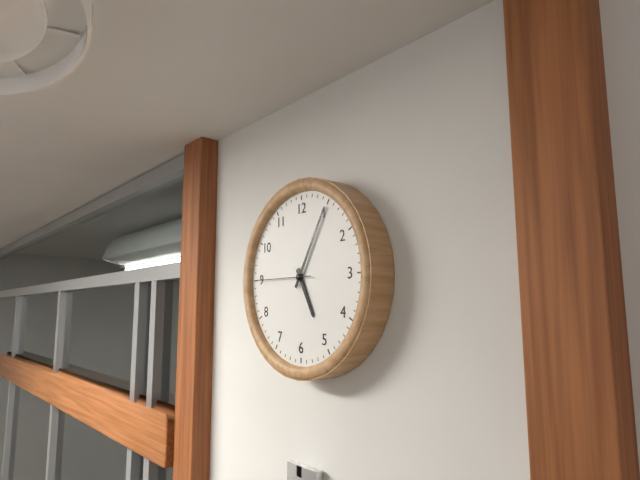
5:05:45
